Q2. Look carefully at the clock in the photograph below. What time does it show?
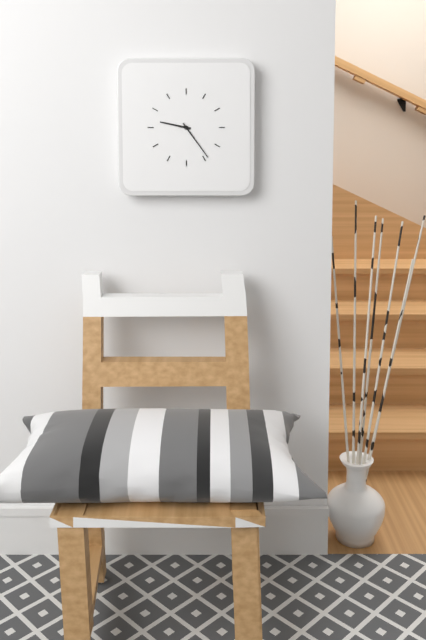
9:24
